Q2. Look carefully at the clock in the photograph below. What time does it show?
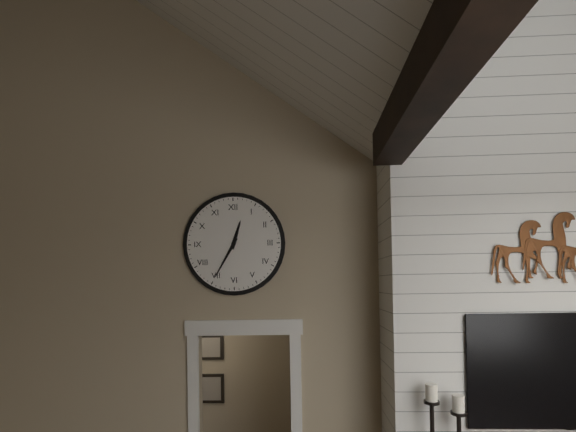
12:35
